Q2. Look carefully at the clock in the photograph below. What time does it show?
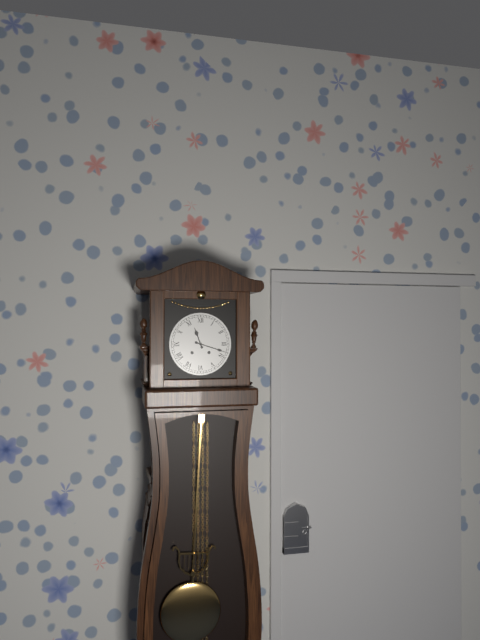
11:18
